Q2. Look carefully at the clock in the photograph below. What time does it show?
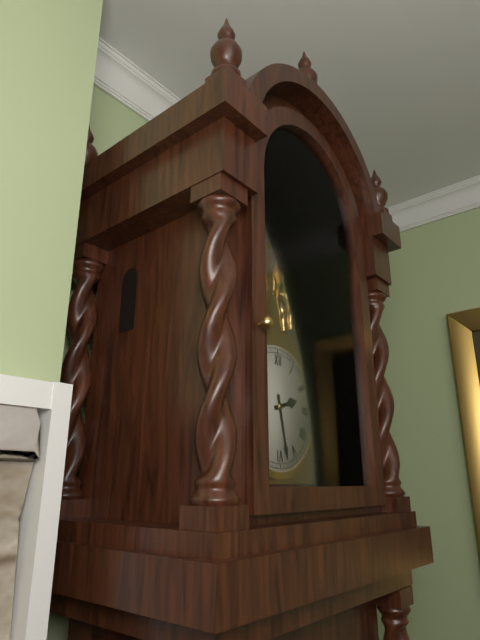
2:28
